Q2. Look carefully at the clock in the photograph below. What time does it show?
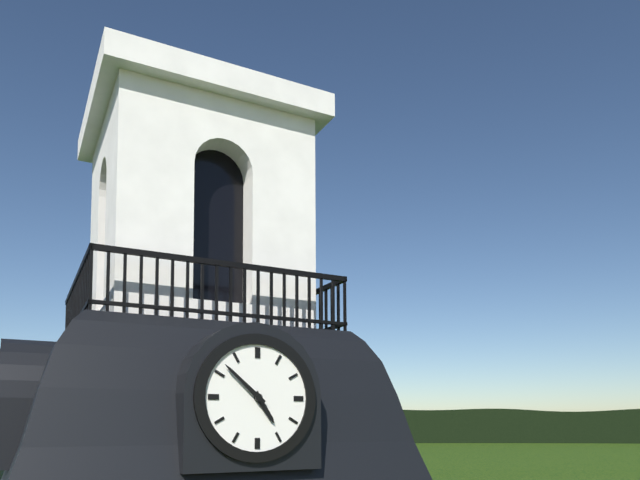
4:52
